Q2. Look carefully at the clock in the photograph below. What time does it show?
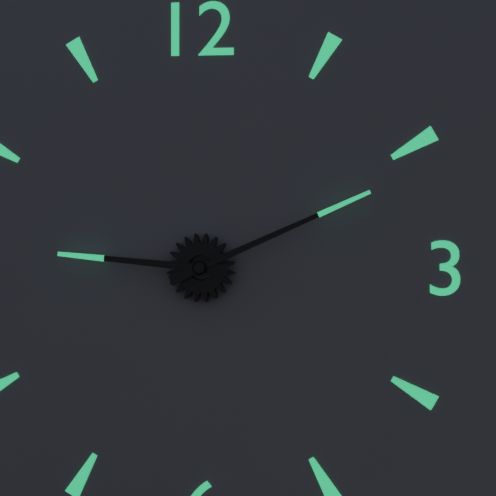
9:11
